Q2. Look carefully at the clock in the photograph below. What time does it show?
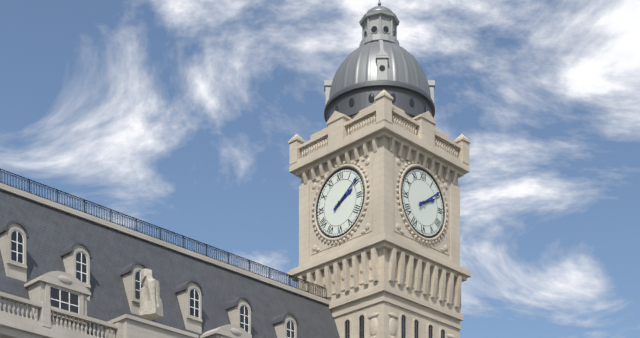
2:09
